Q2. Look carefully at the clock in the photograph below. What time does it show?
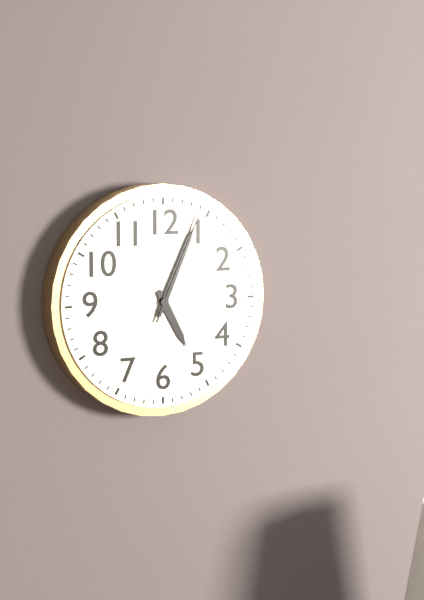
5:04:04
